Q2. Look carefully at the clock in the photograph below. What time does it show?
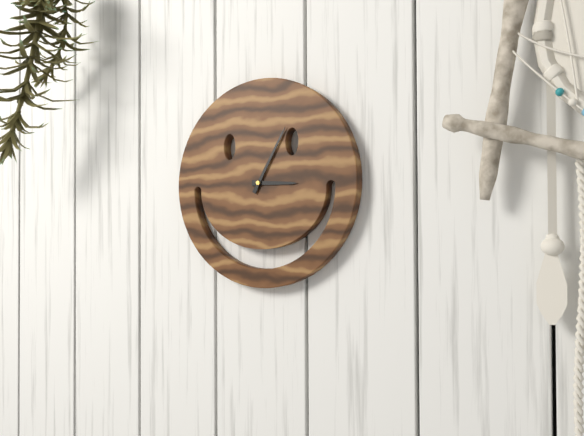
3:05
